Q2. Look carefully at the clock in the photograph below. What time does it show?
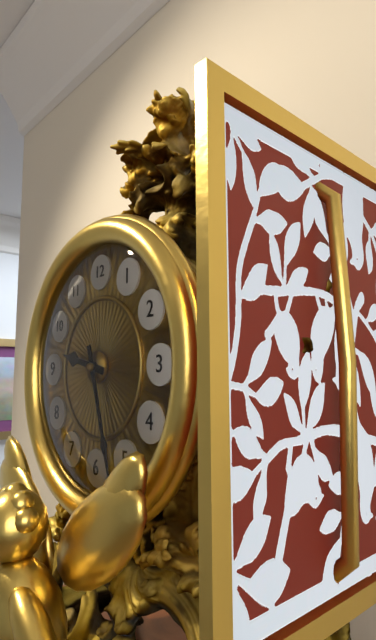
9:27
